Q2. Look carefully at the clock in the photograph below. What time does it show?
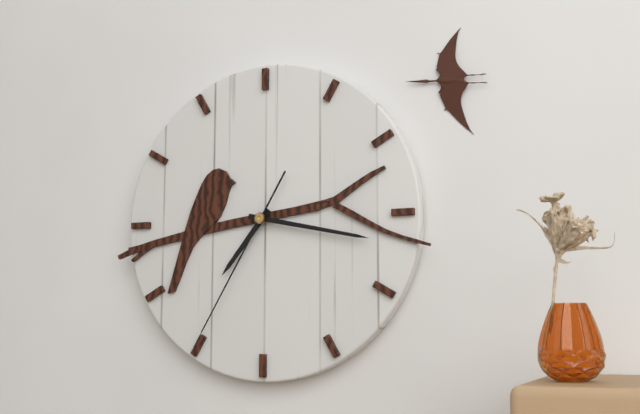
7:17:35
